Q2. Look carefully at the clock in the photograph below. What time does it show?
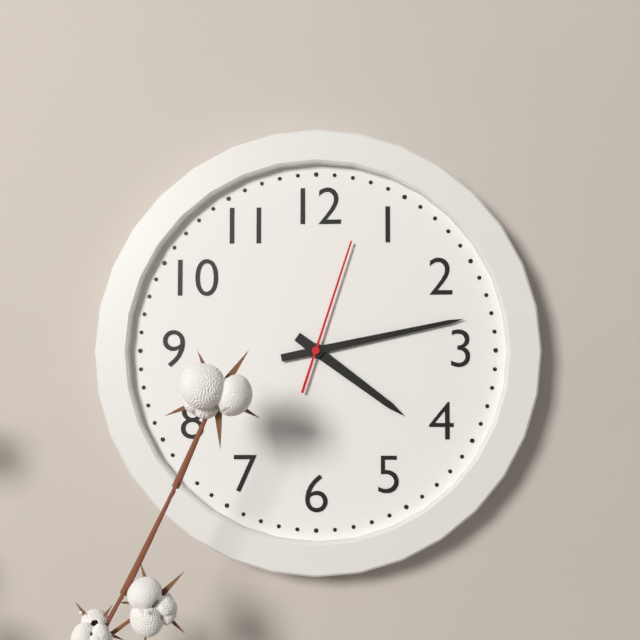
4:13:03
